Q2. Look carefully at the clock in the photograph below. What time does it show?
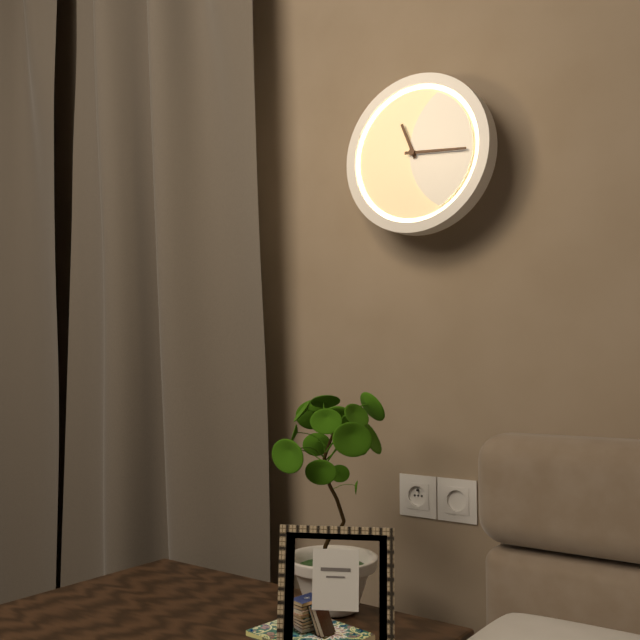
11:16
